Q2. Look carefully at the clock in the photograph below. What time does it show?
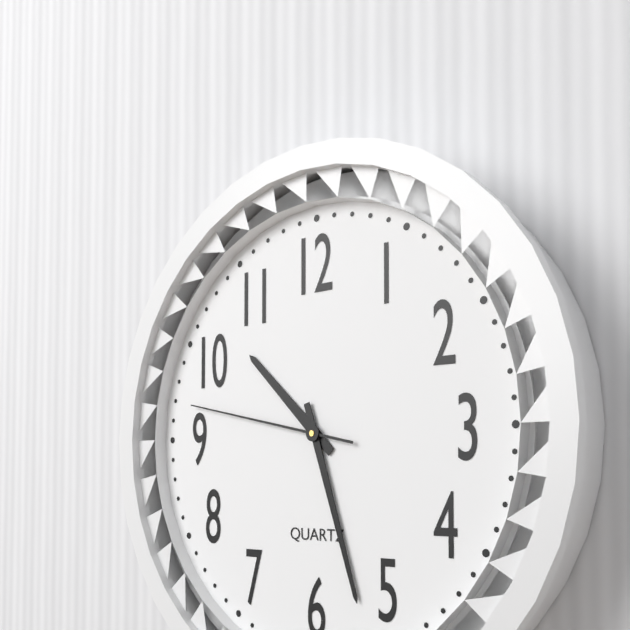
10:27:47
